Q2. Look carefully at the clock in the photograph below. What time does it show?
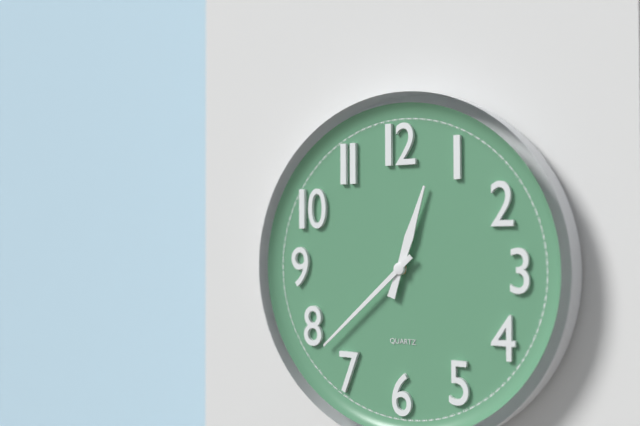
12:38
